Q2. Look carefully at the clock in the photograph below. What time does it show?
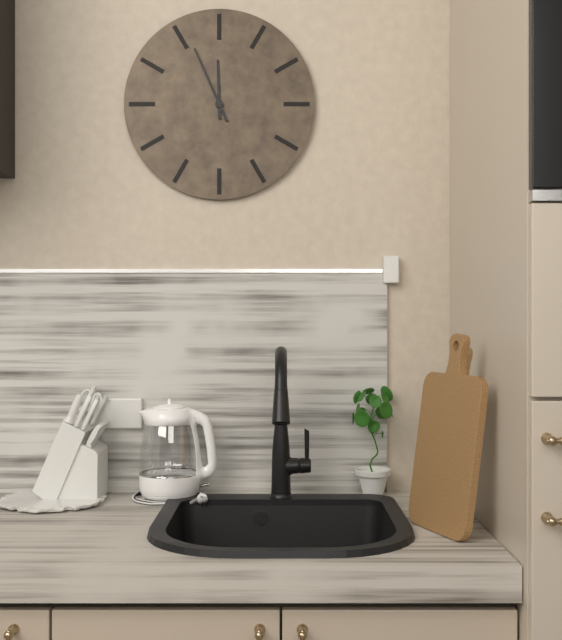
11:56
